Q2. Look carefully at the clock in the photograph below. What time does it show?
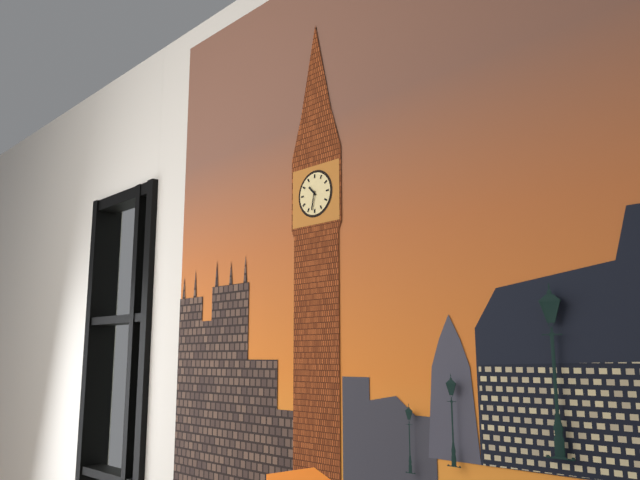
10:32
